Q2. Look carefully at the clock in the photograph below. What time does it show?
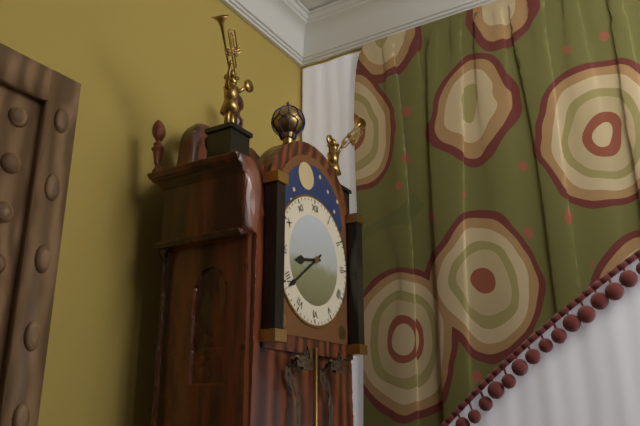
8:39
